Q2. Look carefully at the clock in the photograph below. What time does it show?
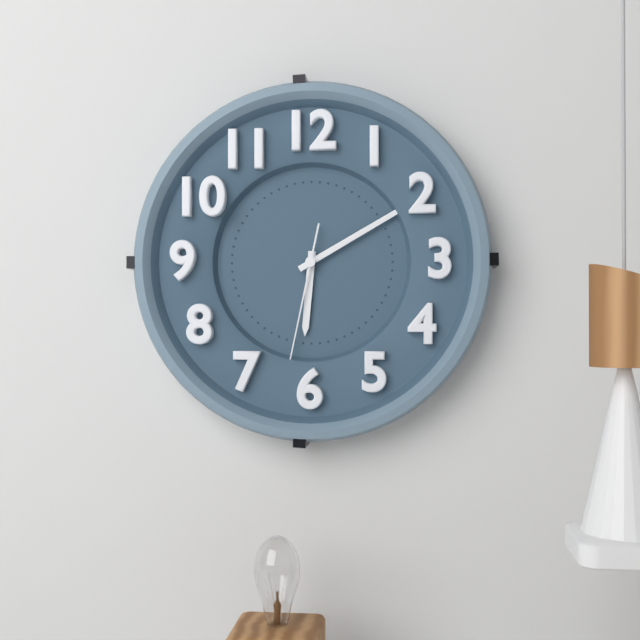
6:10:32
